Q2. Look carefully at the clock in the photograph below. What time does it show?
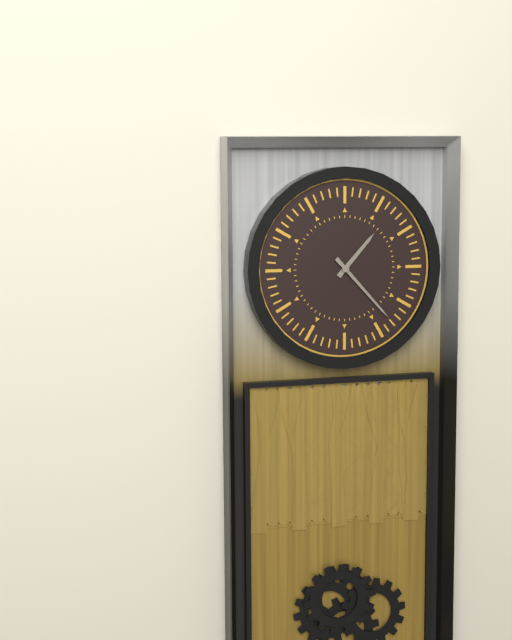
1:23
